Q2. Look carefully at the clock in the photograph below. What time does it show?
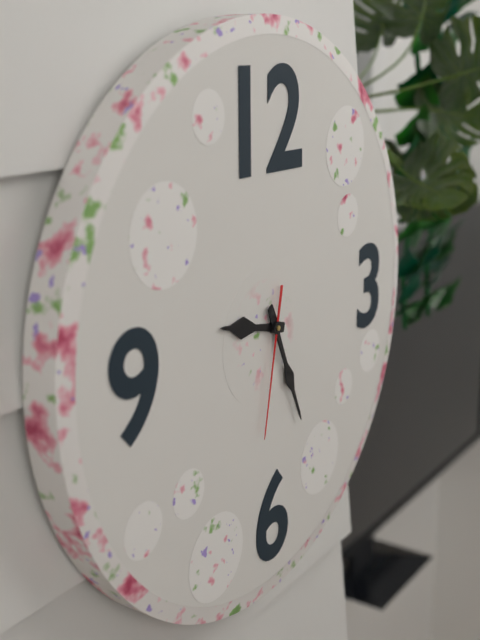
9:26:32
